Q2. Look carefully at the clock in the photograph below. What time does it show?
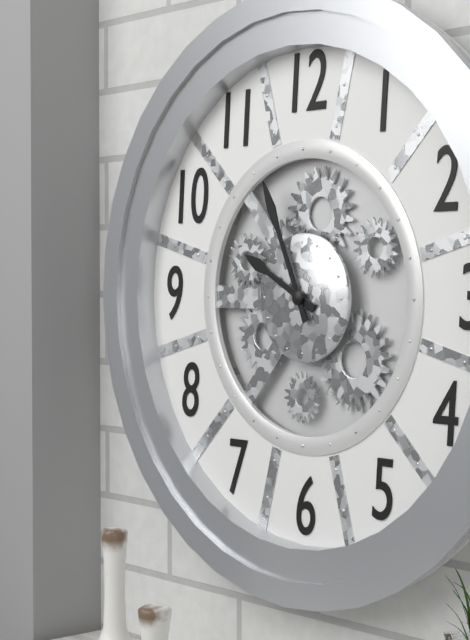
9:56
